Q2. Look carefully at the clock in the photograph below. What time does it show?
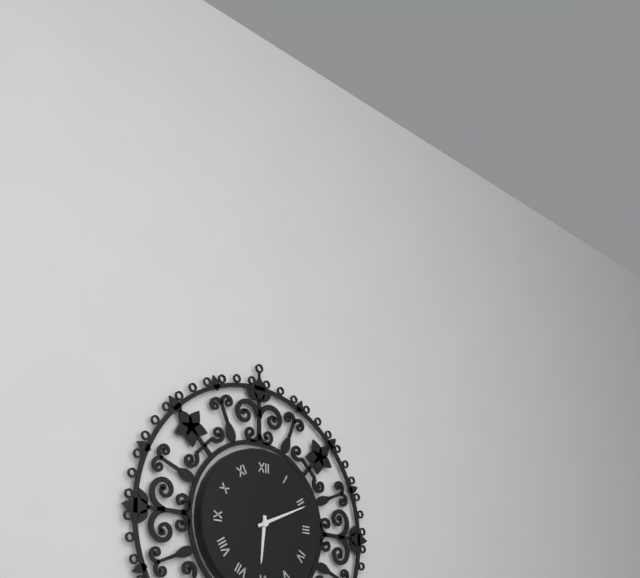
6:11
